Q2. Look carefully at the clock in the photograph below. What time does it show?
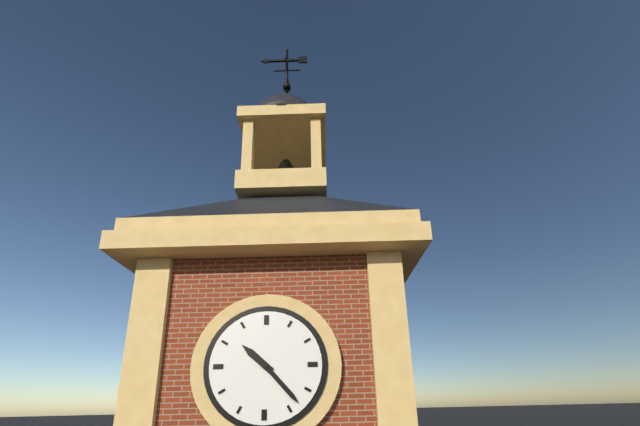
10:23
